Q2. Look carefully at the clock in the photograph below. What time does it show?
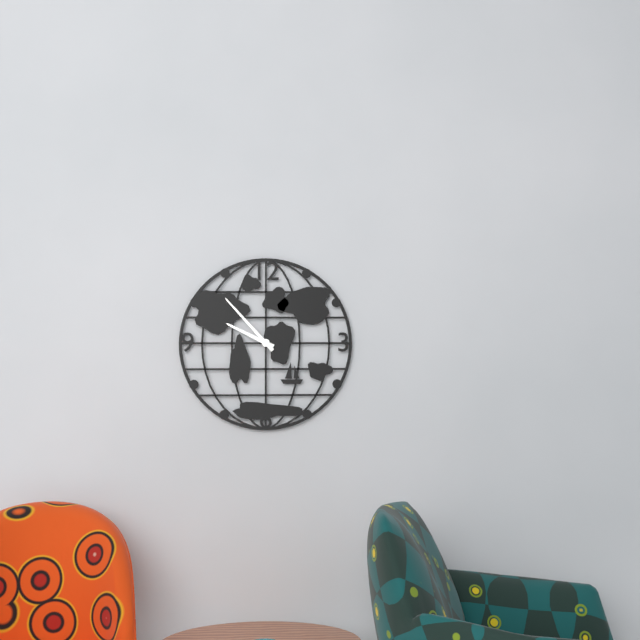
9:53
